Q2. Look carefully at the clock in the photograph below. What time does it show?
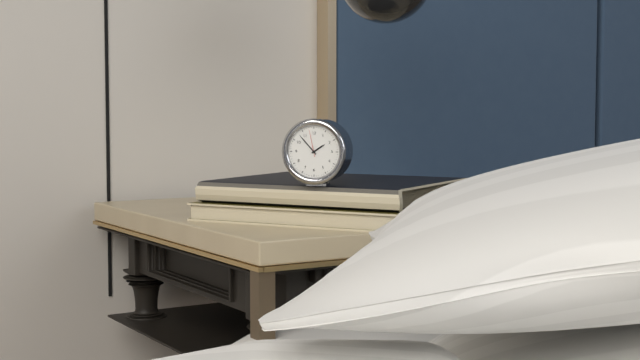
1:53
